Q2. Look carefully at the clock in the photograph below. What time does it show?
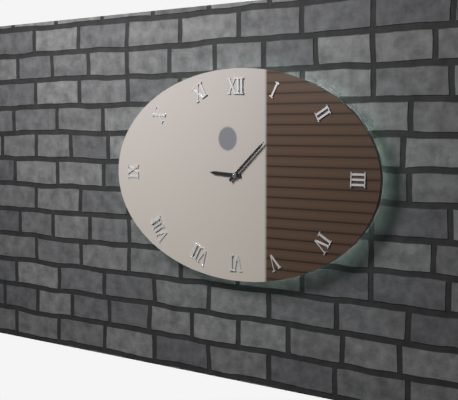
9:08
